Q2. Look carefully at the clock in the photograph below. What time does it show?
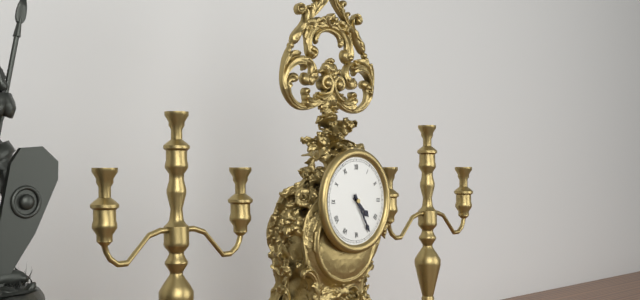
4:25
